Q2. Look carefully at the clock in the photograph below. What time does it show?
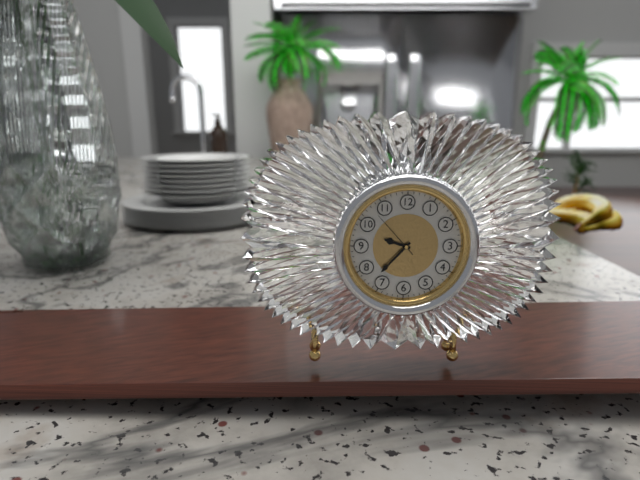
9:37:53
